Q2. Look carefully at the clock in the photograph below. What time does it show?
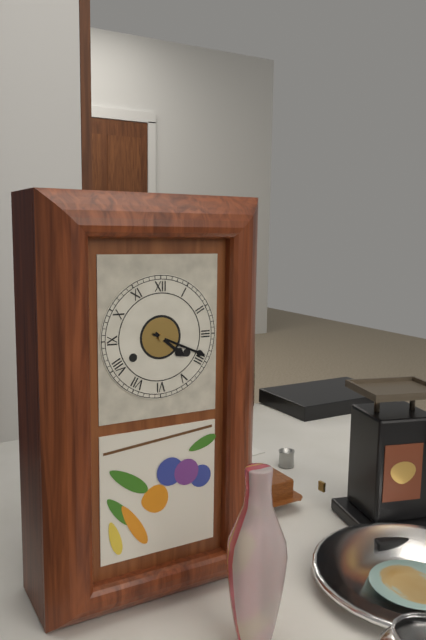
4:19
